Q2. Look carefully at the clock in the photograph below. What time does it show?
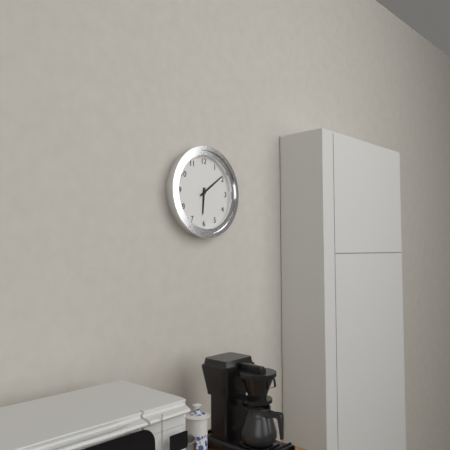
6:09
